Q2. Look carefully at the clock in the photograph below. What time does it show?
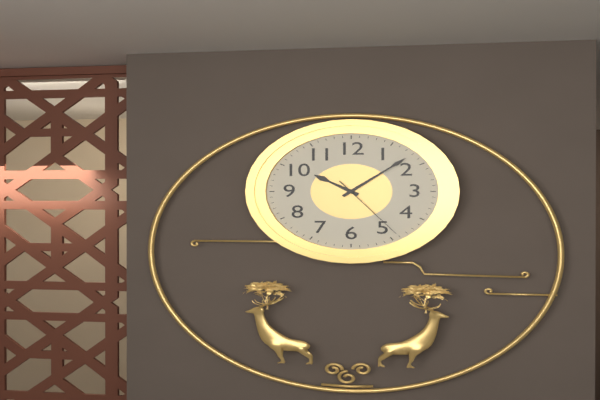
10:08:24
